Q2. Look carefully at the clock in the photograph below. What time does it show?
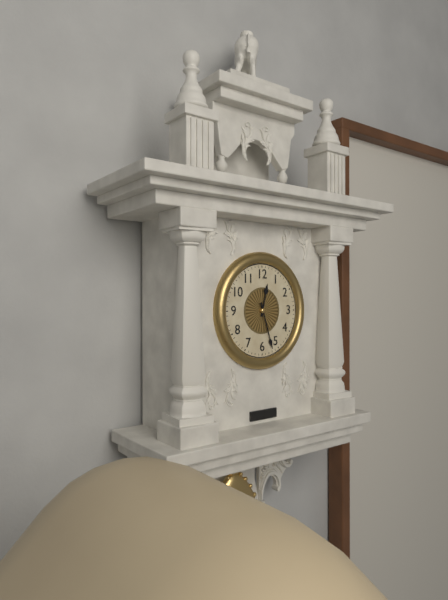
12:27
